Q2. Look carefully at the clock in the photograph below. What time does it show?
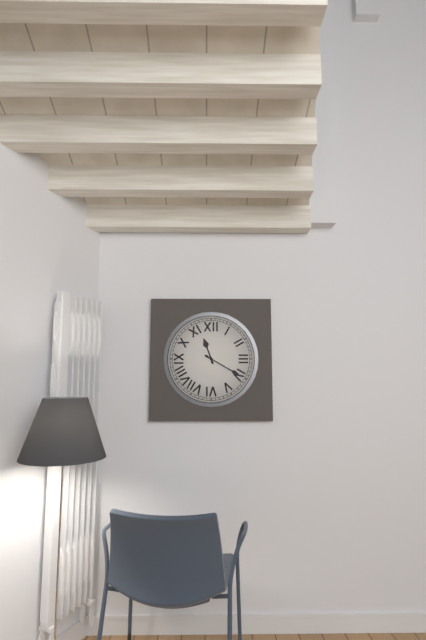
11:20
